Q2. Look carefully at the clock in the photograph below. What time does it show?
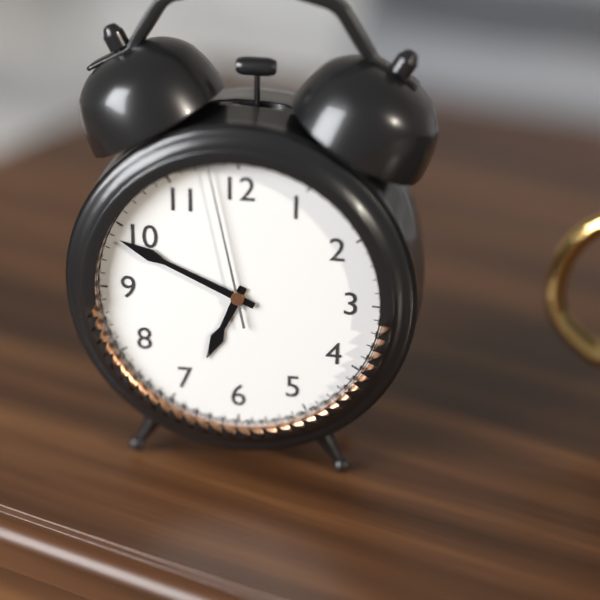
6:49:58
